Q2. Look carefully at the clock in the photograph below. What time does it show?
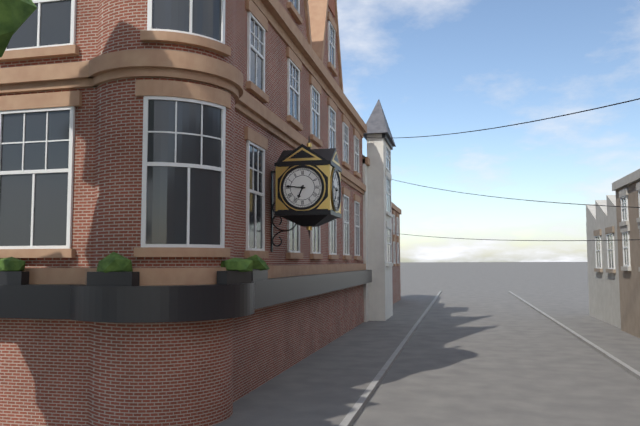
6:46
